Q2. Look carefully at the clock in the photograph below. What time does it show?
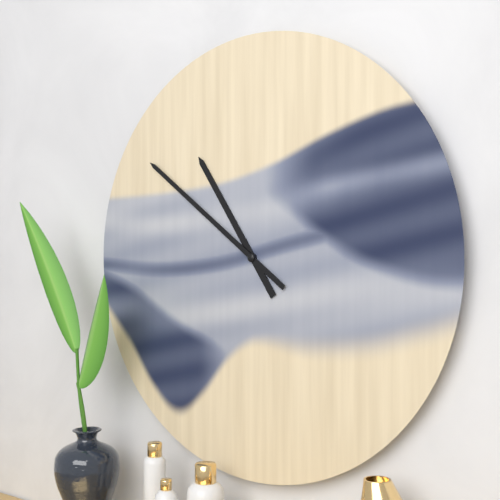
10:51
